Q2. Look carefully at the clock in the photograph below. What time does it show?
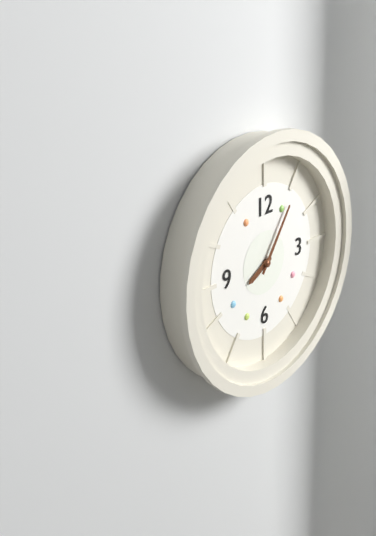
8:06
